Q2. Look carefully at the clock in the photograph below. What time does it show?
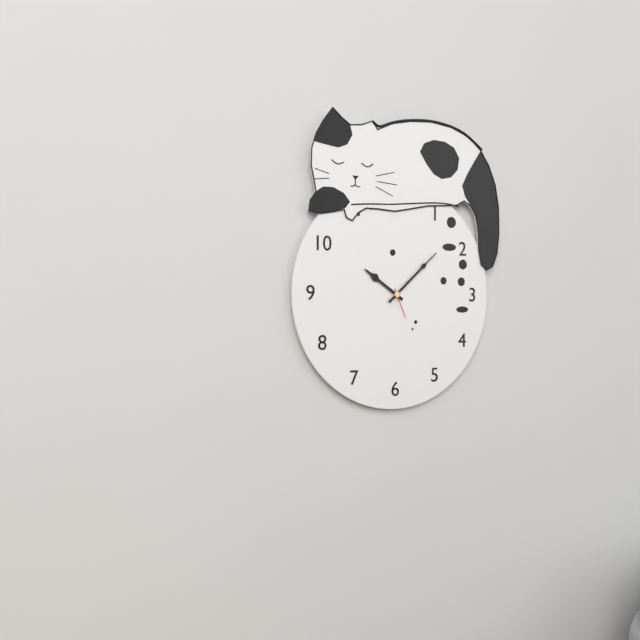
10:08
